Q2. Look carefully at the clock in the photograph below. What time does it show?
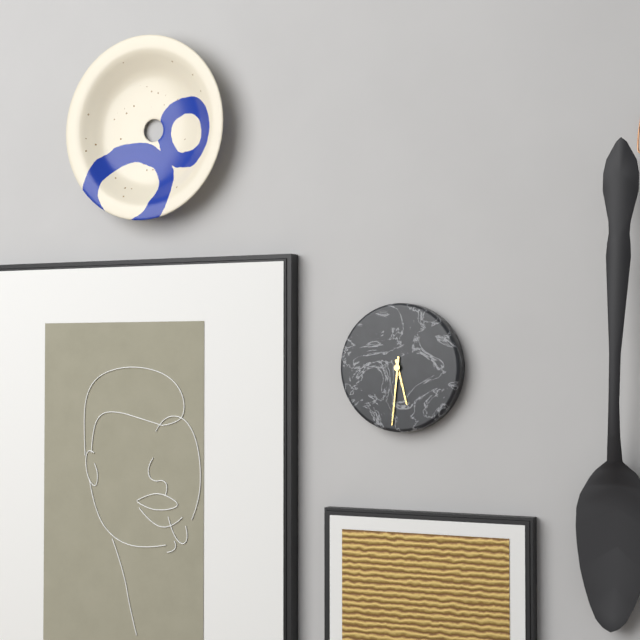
5:31
